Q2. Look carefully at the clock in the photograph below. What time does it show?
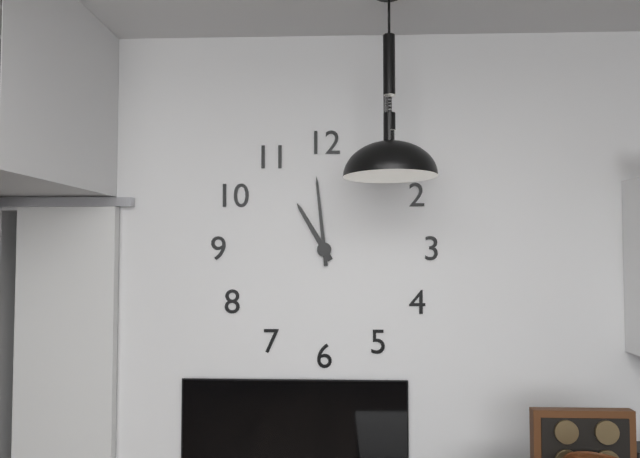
10:59
